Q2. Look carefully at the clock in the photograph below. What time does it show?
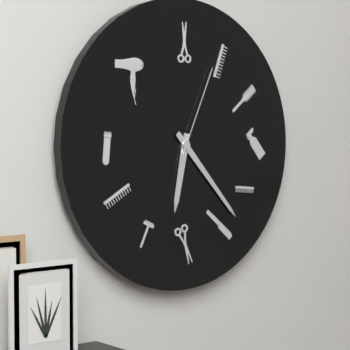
6:23:04
